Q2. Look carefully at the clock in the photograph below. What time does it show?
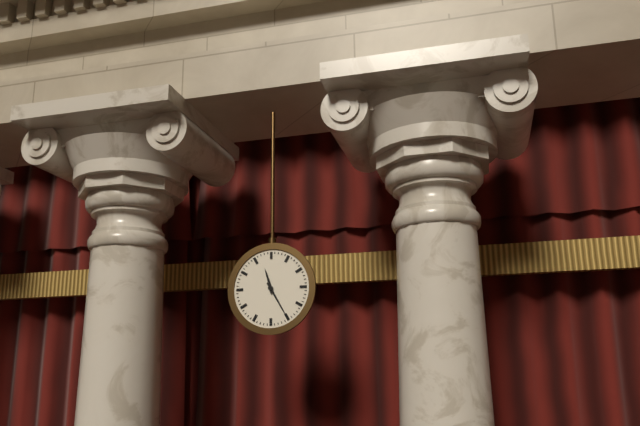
11:25
